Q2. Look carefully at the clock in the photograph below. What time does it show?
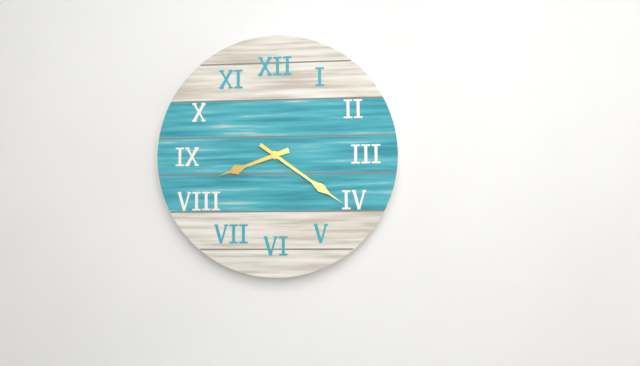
8:21
